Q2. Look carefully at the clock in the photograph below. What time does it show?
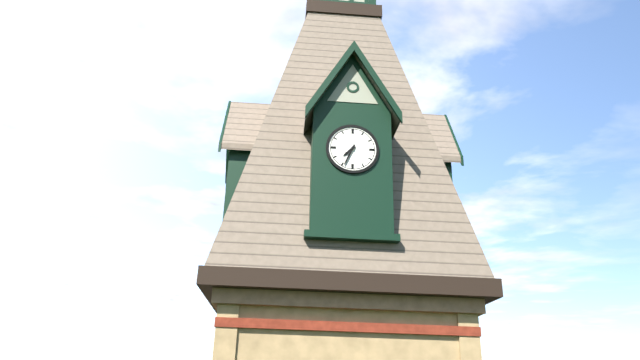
7:34
